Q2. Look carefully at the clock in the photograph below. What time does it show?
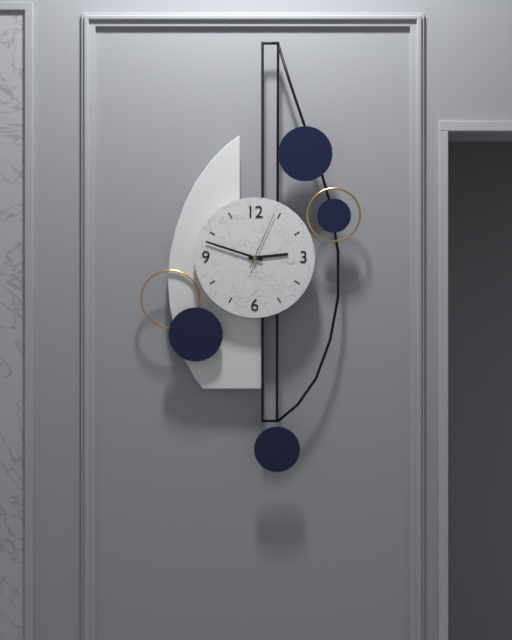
2:48:04
